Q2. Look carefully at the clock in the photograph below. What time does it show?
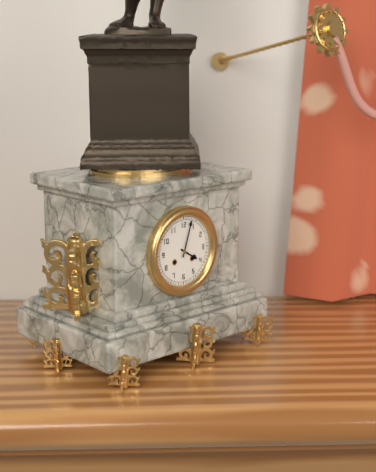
4:03
